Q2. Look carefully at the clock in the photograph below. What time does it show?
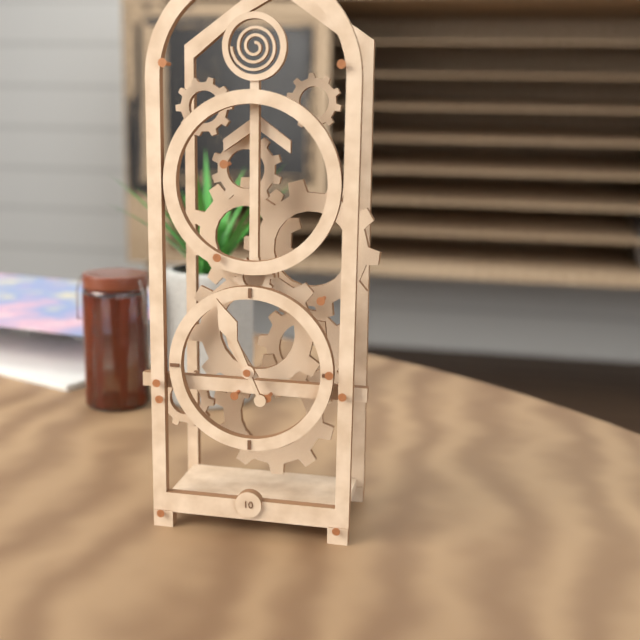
10:56
